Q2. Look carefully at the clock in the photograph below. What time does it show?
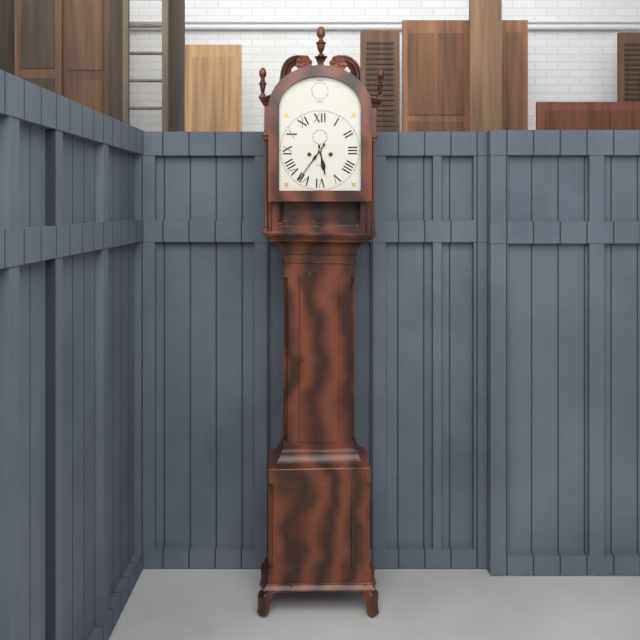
5:36
